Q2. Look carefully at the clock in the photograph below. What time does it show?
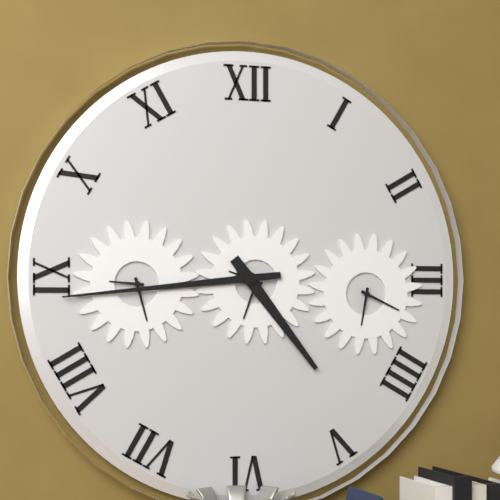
4:44
